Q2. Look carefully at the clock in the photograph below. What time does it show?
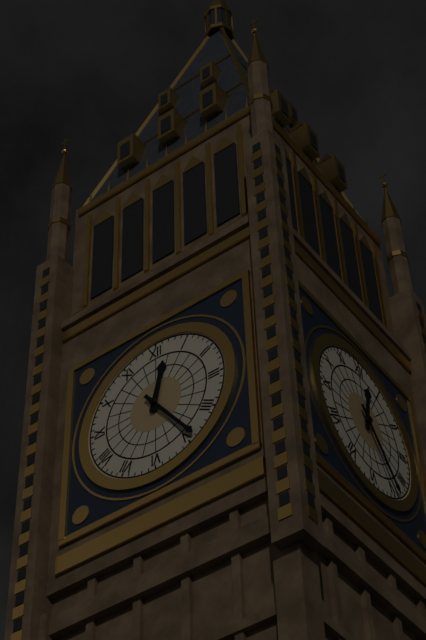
12:24
